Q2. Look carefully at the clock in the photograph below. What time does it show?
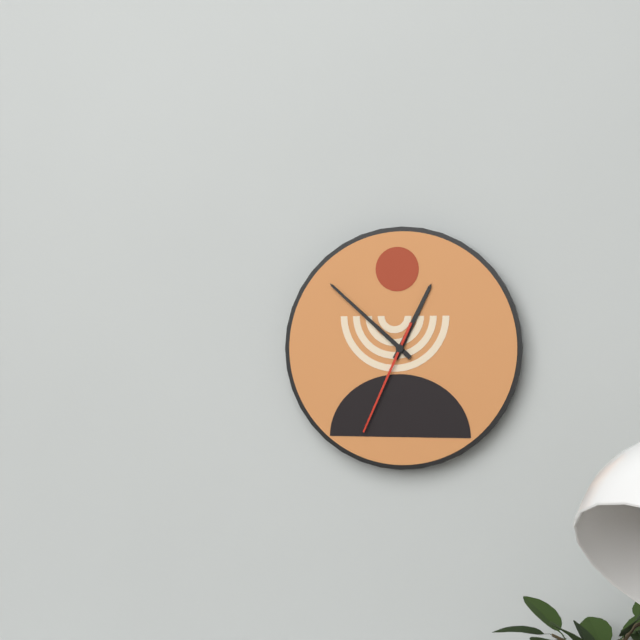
12:52:34
